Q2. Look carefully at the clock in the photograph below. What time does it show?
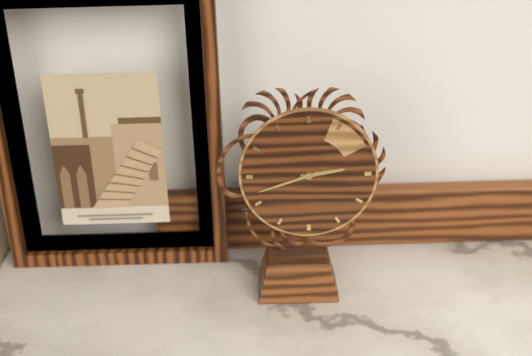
2:42
